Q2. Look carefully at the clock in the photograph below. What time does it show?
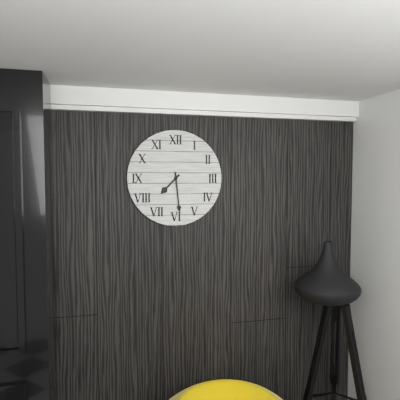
7:29
